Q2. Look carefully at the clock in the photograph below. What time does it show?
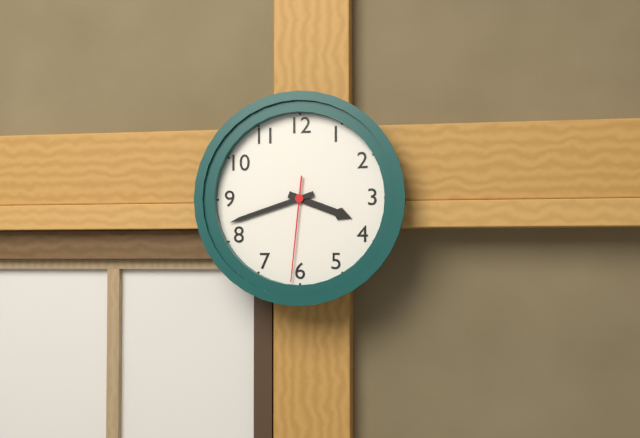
3:42:31
